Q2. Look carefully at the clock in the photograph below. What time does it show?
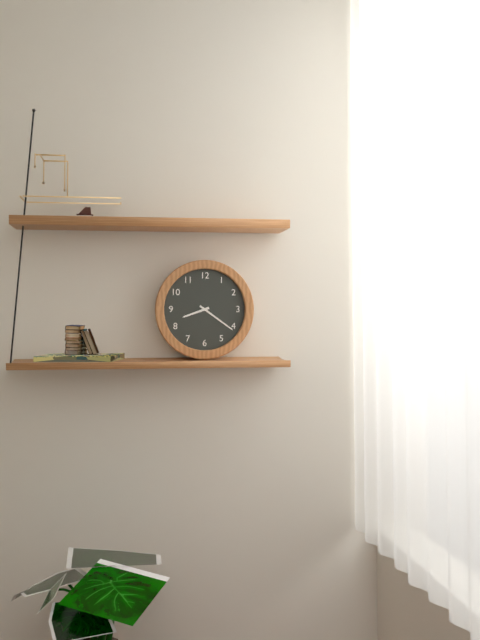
8:21
